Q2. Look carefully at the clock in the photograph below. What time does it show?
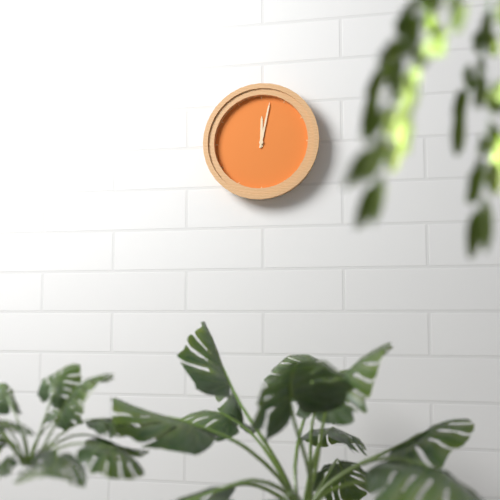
12:02
